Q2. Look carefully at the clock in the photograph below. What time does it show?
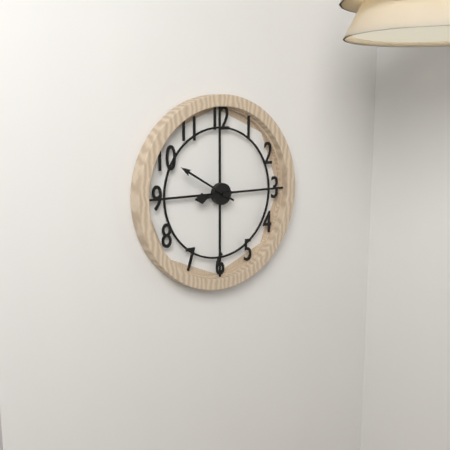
8:50
